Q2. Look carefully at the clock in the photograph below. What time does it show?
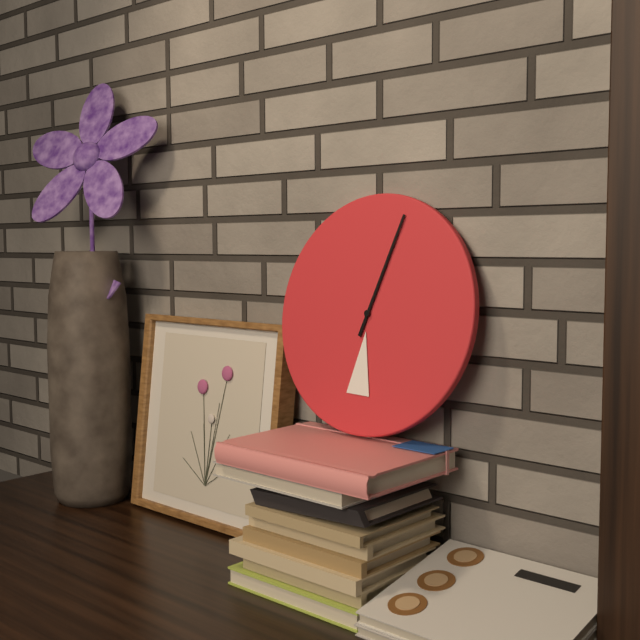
6:03
